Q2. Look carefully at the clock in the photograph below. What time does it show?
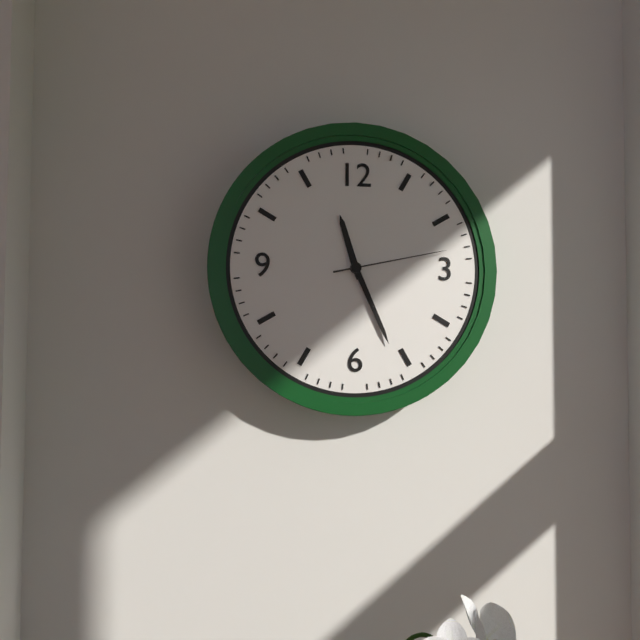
11:26:13
